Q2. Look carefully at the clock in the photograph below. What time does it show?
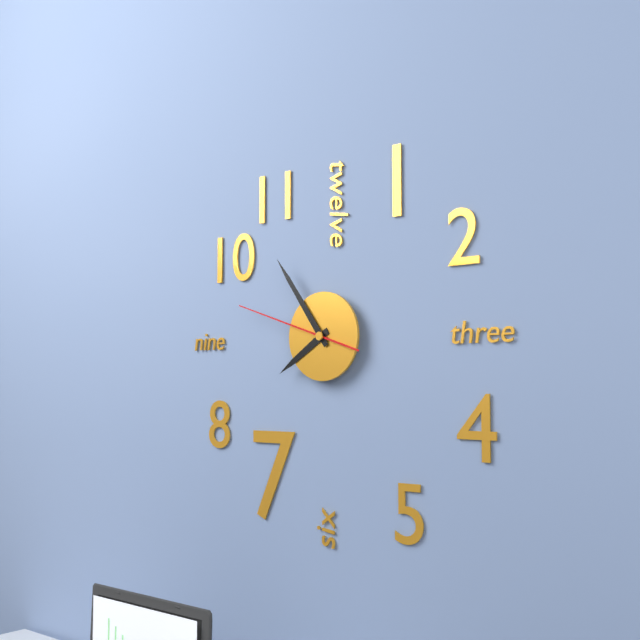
7:54:48
